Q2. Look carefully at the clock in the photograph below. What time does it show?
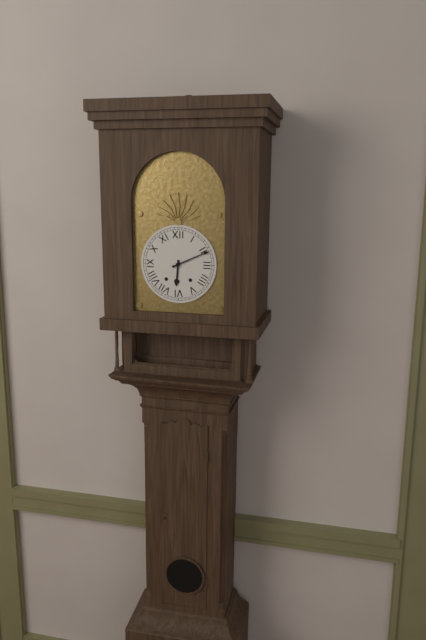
6:11
